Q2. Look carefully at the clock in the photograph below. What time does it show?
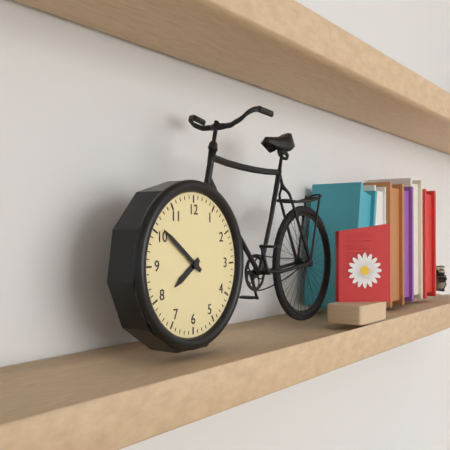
7:51
